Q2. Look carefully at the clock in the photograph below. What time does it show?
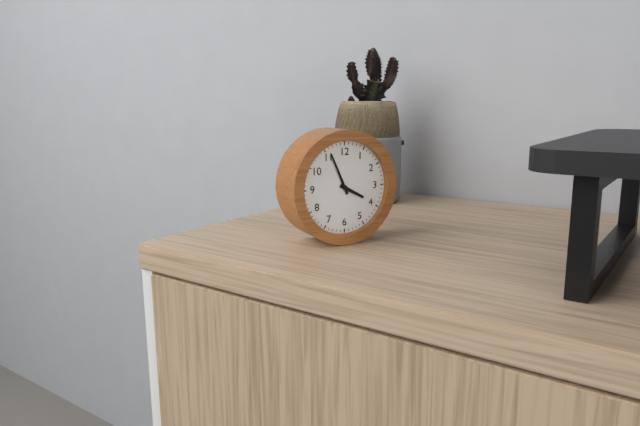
3:56
